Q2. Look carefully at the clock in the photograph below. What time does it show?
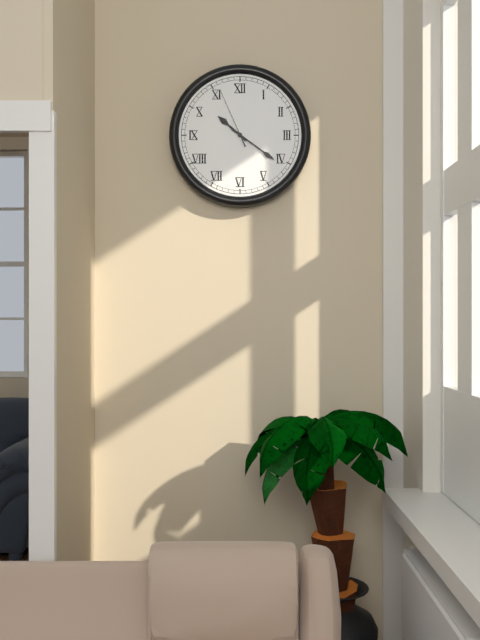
10:21:56
